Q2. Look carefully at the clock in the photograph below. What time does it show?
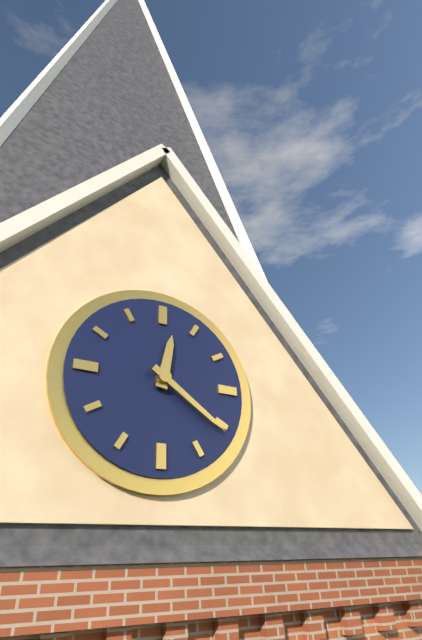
12:21
